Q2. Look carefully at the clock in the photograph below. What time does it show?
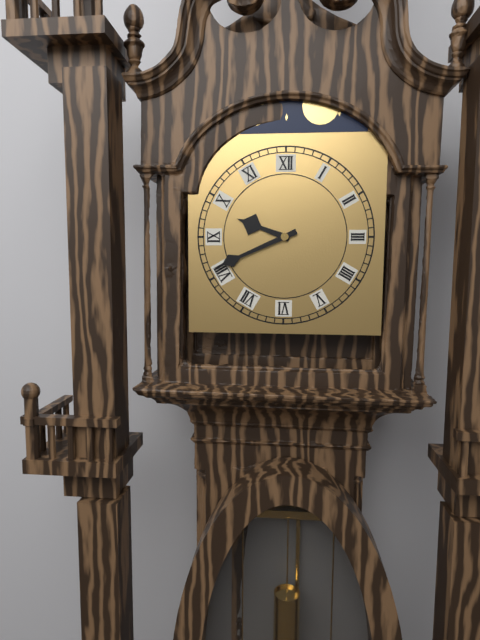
9:41
